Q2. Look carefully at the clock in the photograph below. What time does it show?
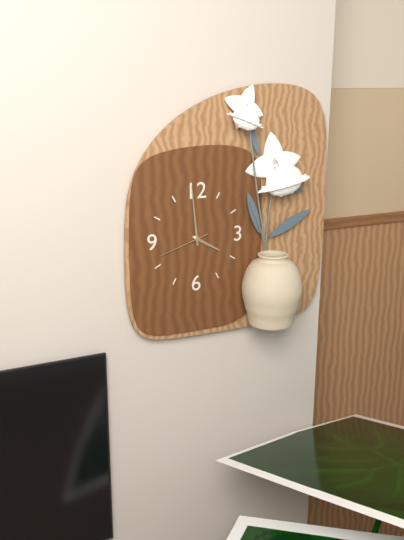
3:59
